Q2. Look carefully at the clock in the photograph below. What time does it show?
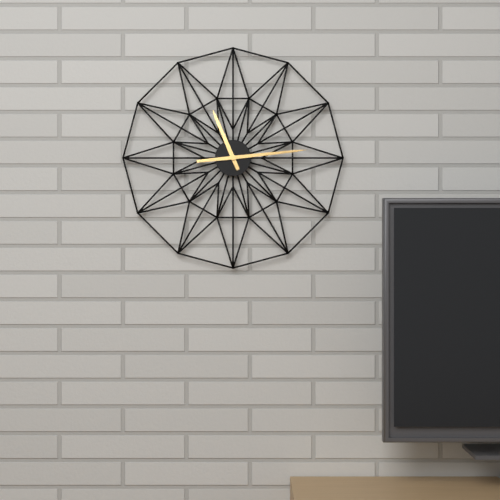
11:14
